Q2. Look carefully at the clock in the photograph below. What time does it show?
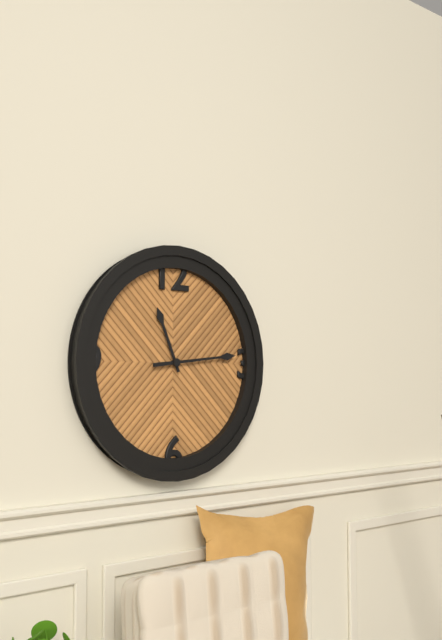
11:14
